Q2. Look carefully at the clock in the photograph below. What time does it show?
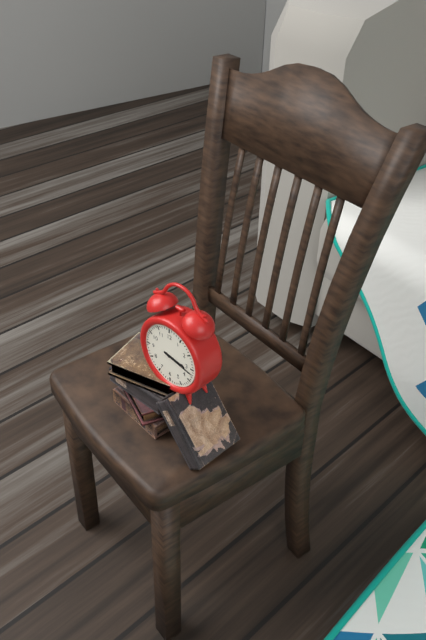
3:17
